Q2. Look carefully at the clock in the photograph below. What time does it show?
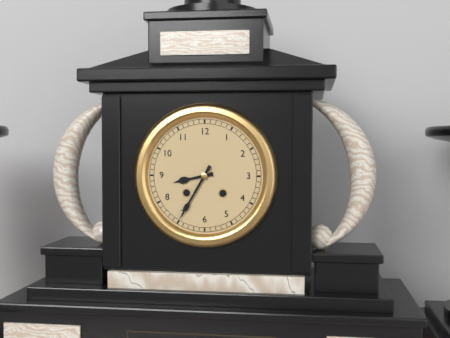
8:35
